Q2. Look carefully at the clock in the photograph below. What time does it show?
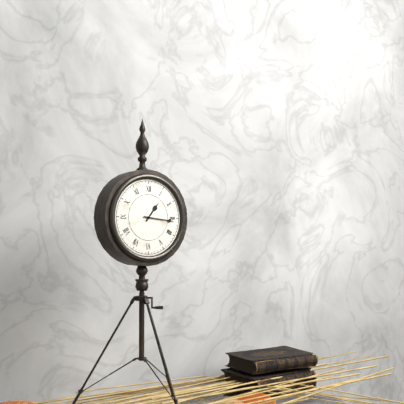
1:16
